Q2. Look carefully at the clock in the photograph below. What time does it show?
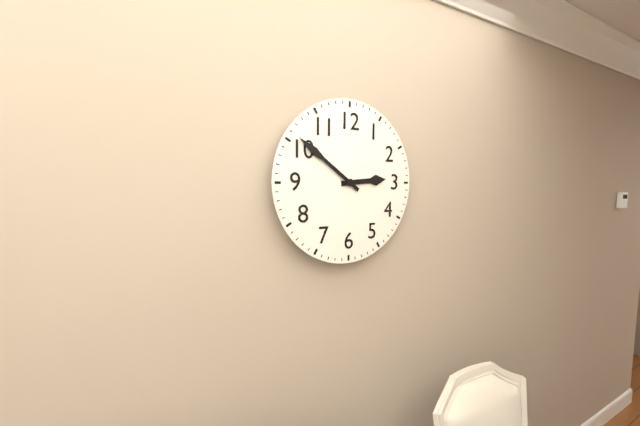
2:51
